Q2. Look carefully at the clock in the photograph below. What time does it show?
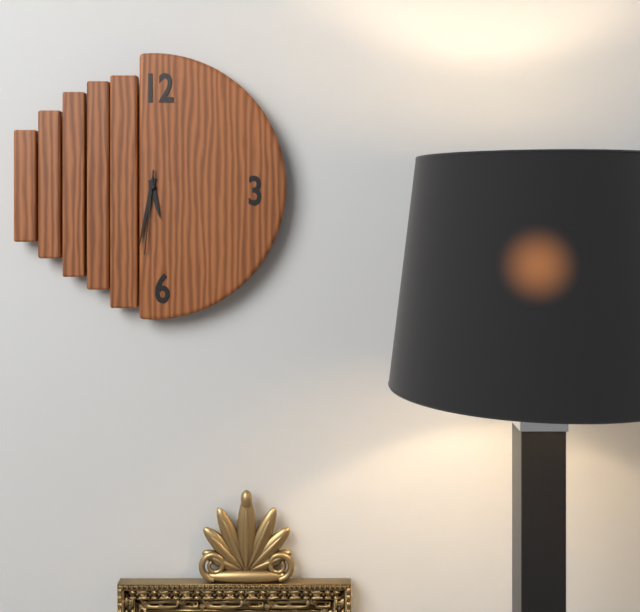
5:32:31
